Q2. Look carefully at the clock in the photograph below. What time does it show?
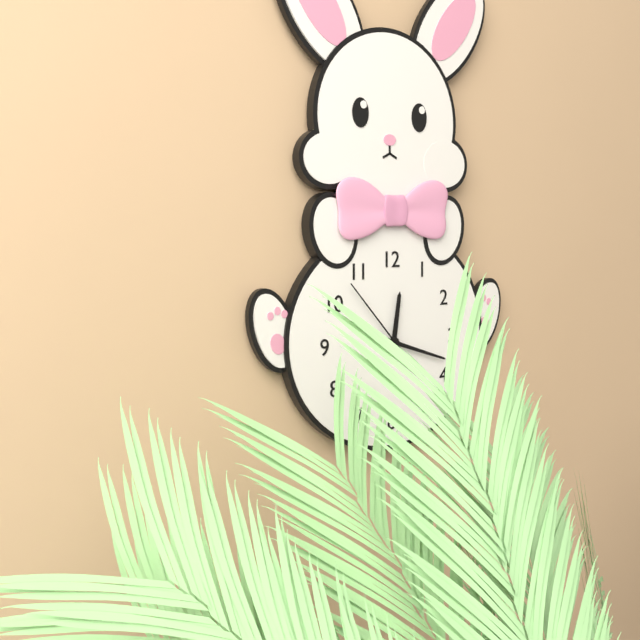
12:18:53
